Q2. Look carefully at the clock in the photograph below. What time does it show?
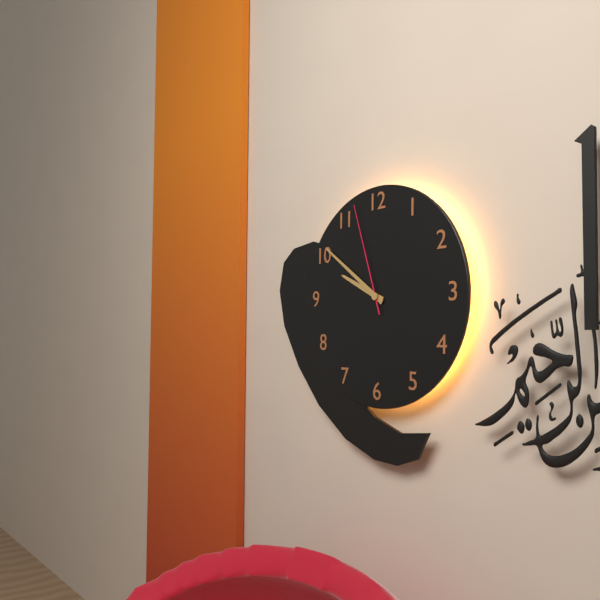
9:51:57
